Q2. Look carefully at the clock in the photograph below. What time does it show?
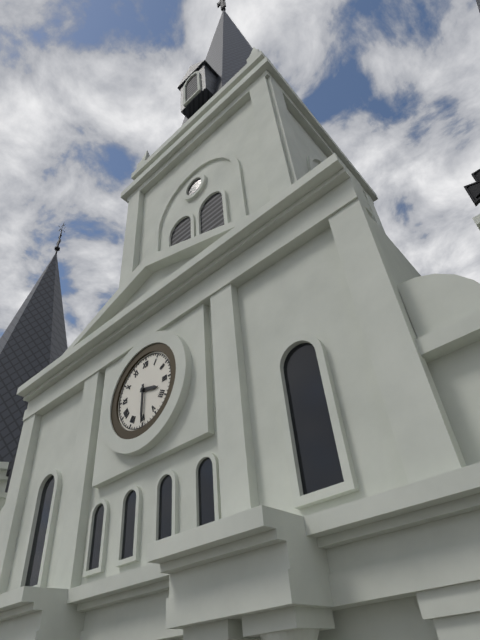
3:30
